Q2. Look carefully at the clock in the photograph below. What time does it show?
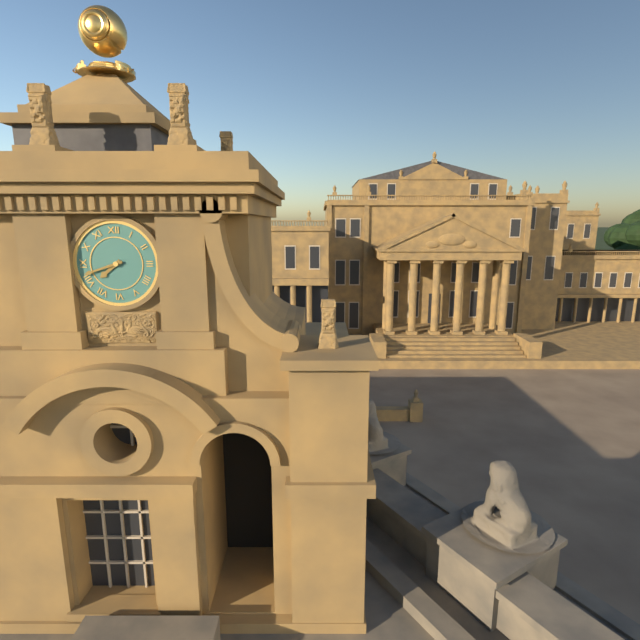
7:42
